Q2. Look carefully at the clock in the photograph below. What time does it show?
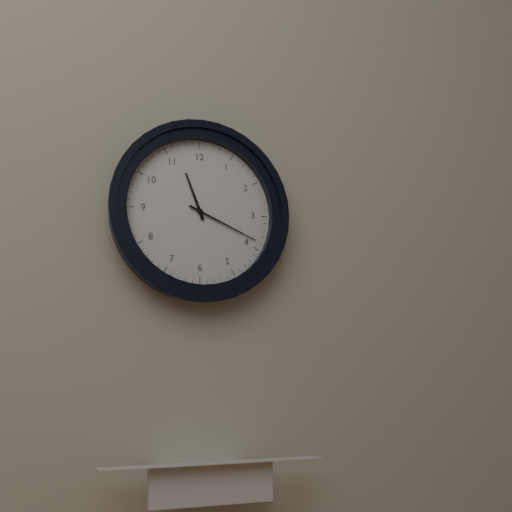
11:19
